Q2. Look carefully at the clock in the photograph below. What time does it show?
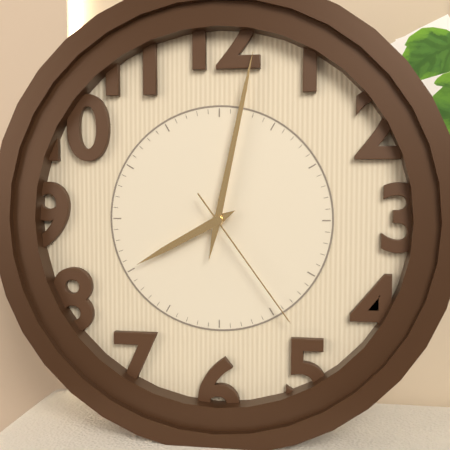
8:02:24
